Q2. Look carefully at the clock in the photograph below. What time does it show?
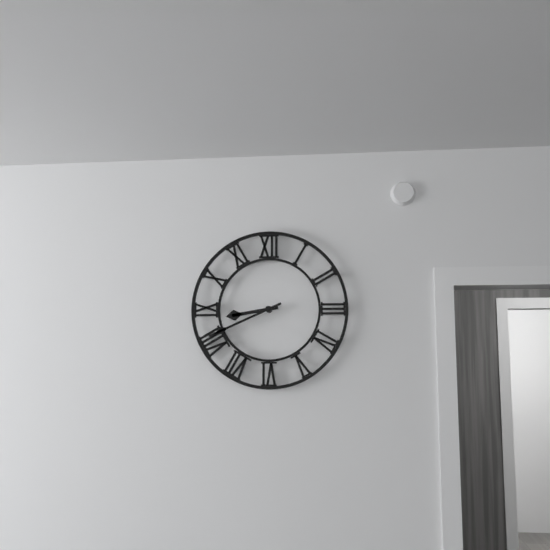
8:41
